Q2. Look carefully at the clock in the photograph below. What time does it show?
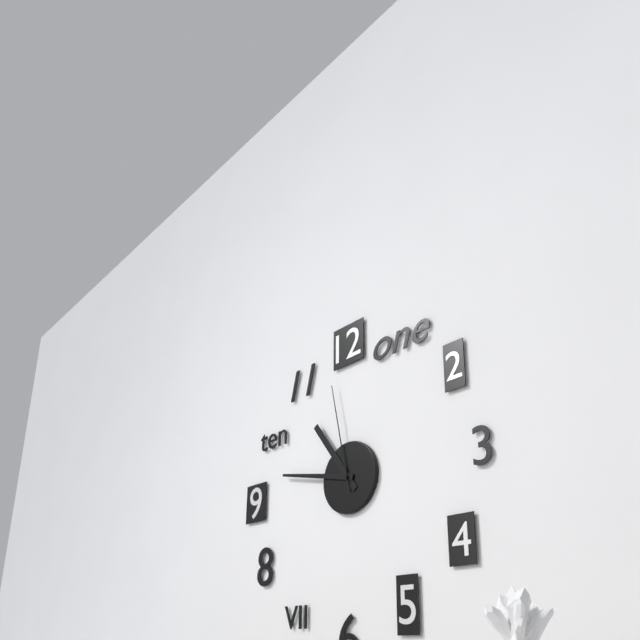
10:47:58
